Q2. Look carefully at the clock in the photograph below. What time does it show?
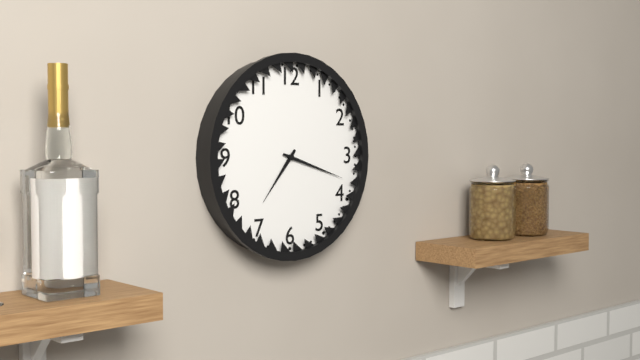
7:18
